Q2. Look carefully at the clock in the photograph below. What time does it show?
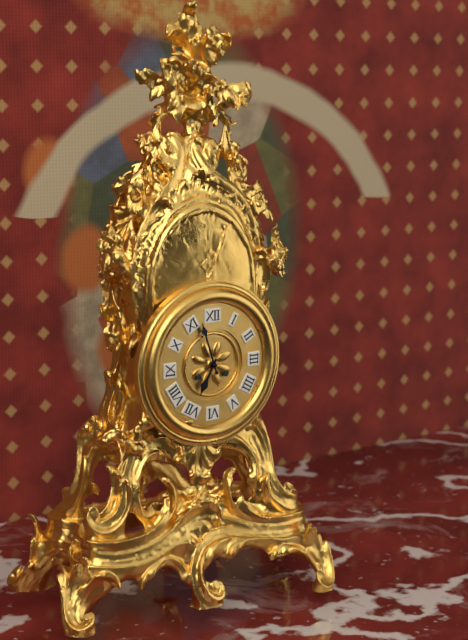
6:57
